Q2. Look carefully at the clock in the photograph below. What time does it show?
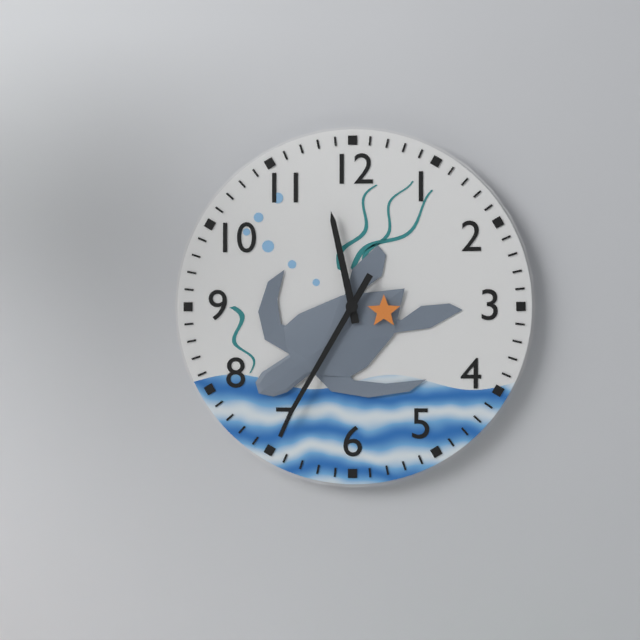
11:35
